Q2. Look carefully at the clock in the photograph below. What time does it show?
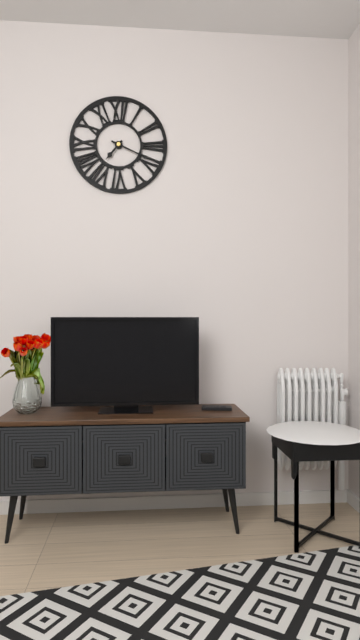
7:19
